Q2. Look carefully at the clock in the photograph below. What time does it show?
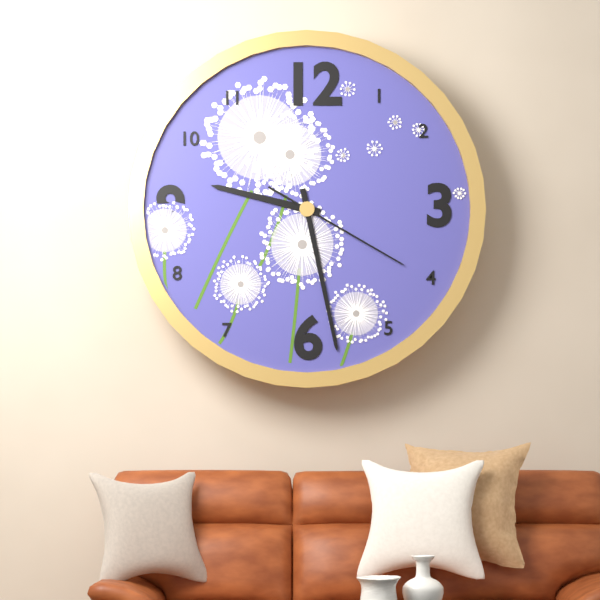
9:28:20
